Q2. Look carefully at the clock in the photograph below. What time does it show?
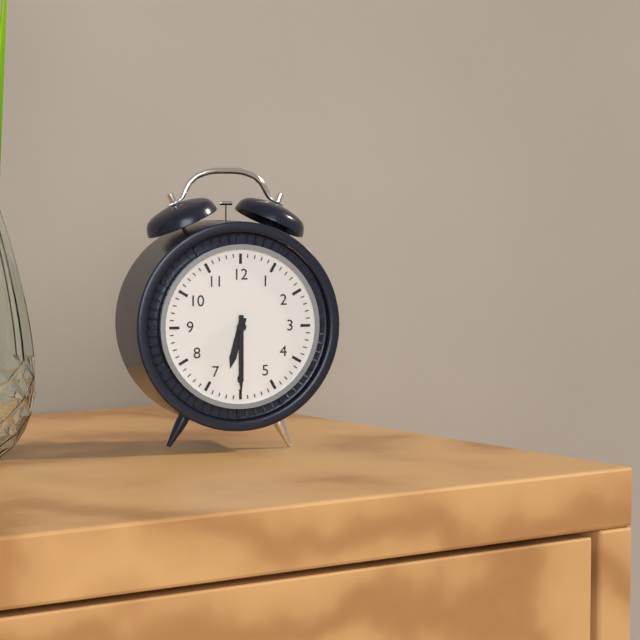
6:30
